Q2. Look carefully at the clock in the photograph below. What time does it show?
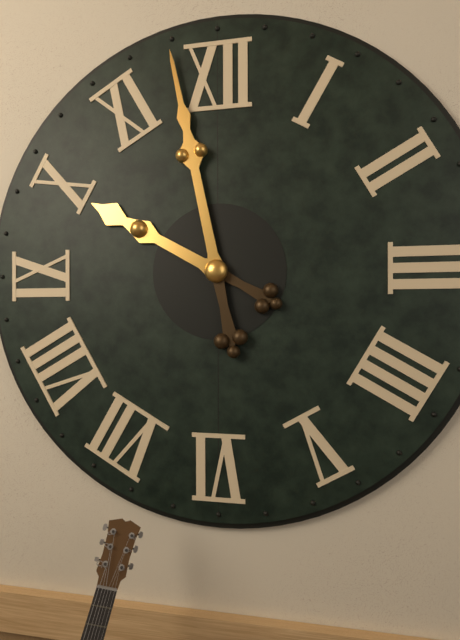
9:58
